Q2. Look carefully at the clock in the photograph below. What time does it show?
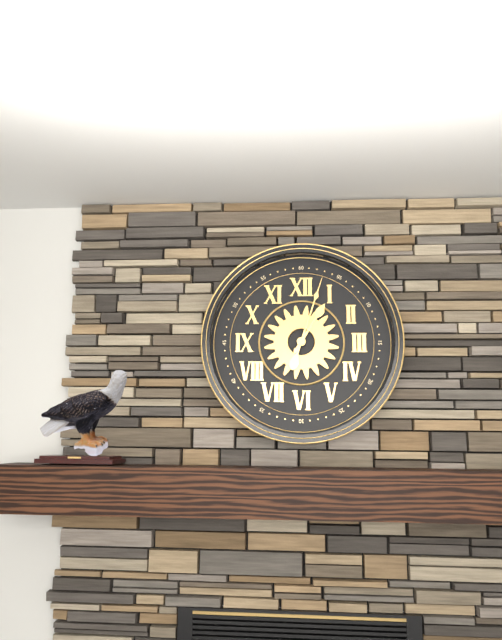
1:03
